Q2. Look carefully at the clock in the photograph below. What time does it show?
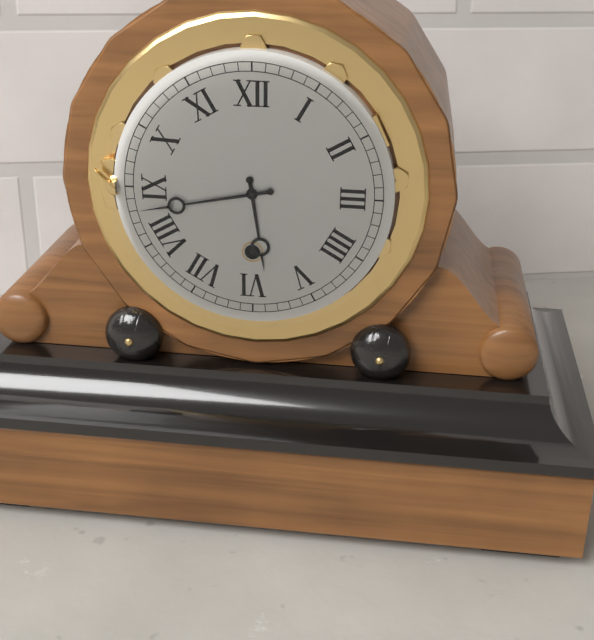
5:43
